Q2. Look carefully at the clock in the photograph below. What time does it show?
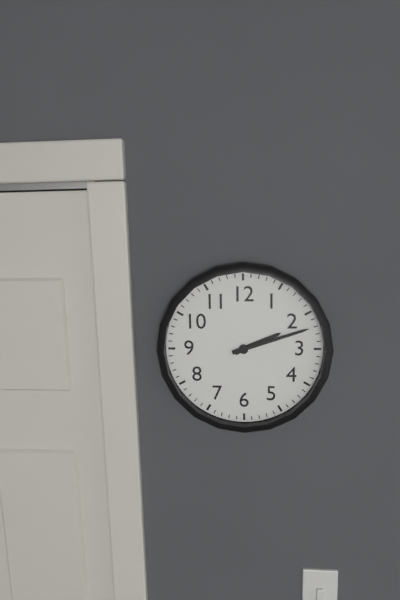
2:12
